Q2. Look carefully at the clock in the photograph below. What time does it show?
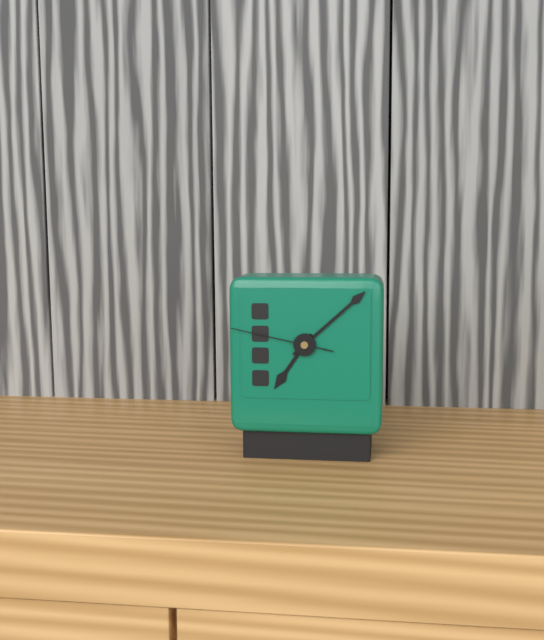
7:08:47
